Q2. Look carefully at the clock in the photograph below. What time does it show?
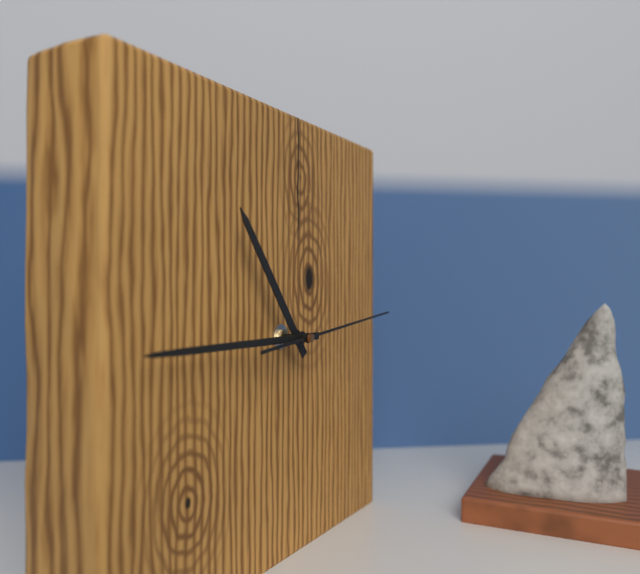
10:45:14
